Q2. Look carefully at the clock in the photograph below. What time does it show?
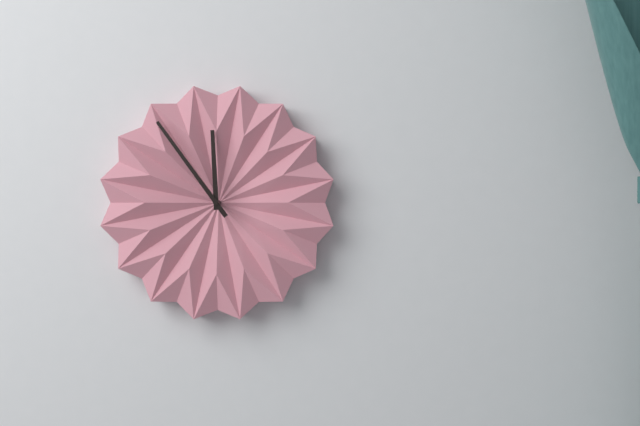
11:54
